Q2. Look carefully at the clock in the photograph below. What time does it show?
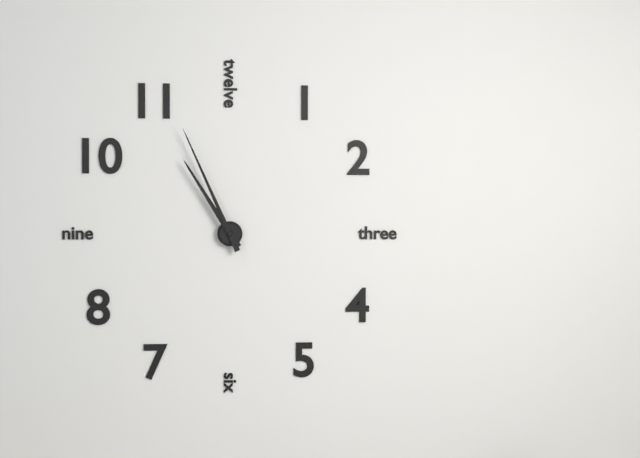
10:56
